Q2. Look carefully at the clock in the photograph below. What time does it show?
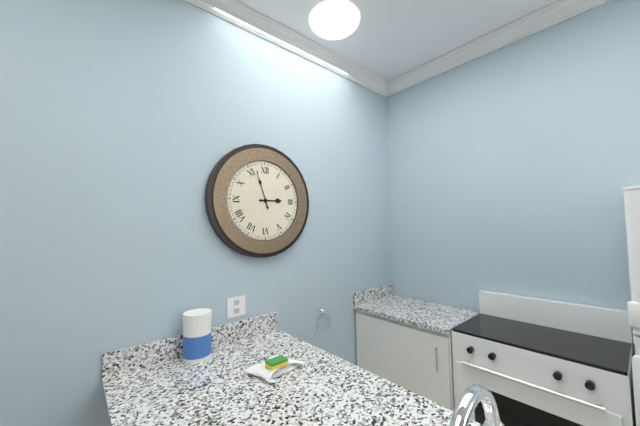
2:57
